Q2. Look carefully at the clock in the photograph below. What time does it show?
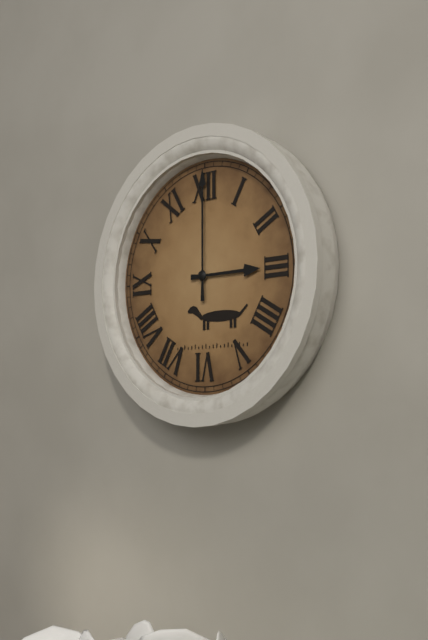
3:00
